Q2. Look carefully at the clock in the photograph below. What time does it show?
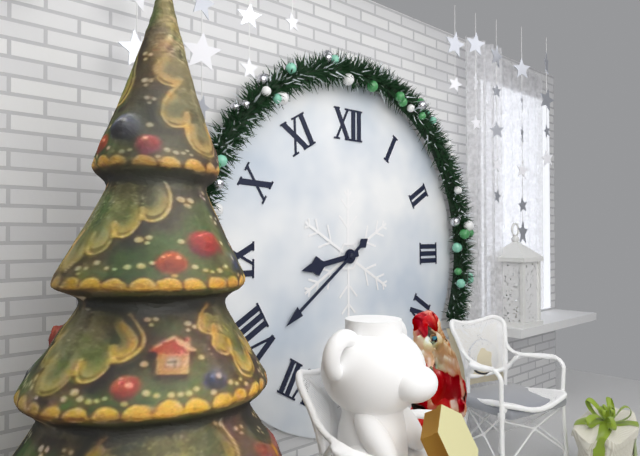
8:39
